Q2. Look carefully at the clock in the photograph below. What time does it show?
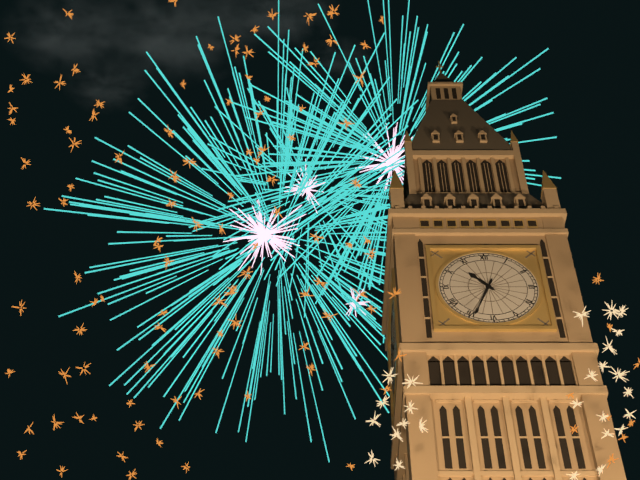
10:34
